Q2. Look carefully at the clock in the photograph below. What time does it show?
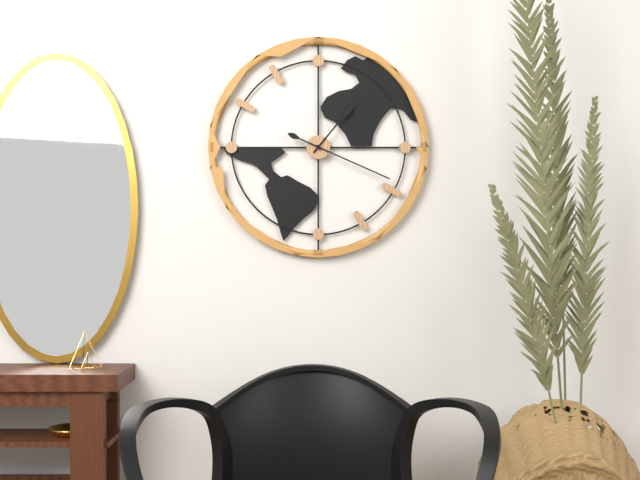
1:19
